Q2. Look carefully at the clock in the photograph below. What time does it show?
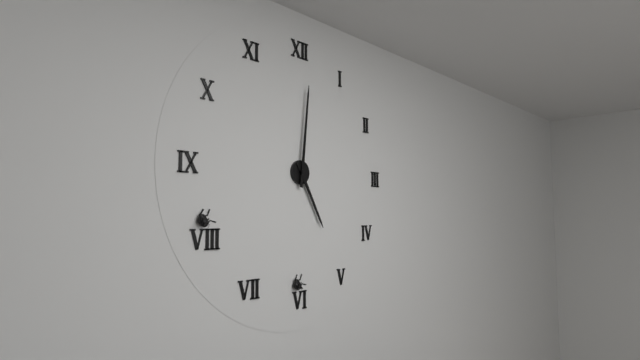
5:01
